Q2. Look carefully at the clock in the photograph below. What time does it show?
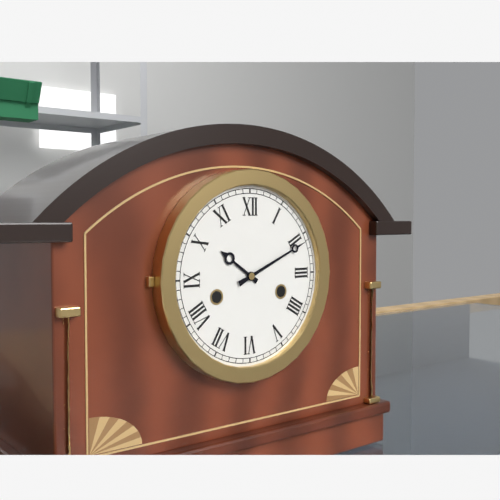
10:11
